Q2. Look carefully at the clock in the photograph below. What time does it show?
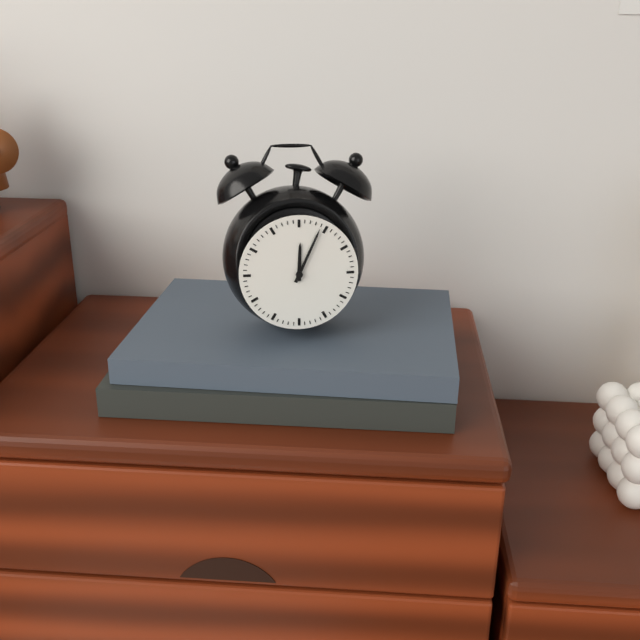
12:04
